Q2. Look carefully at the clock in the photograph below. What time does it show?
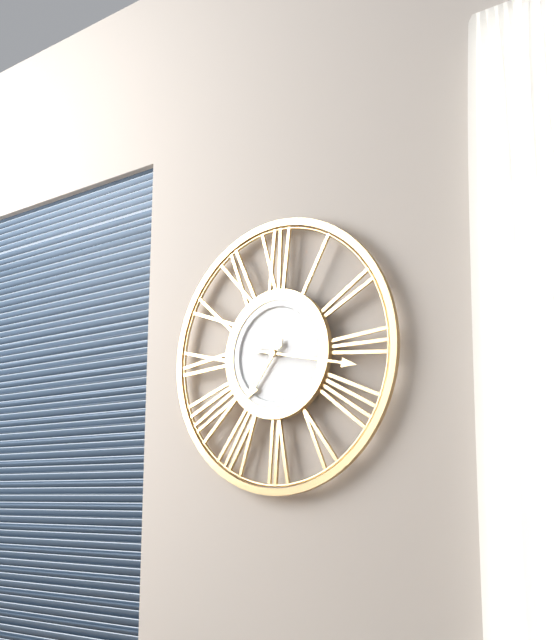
7:17
